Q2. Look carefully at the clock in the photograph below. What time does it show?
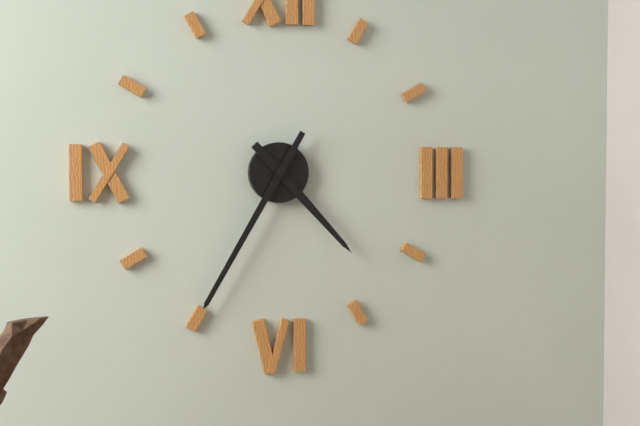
4:35
